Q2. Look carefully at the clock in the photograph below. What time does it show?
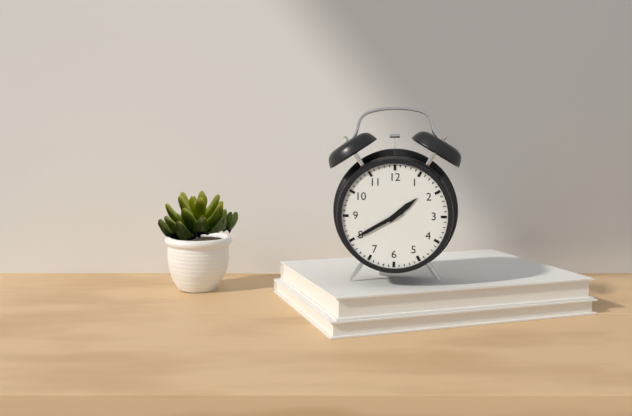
1:40
